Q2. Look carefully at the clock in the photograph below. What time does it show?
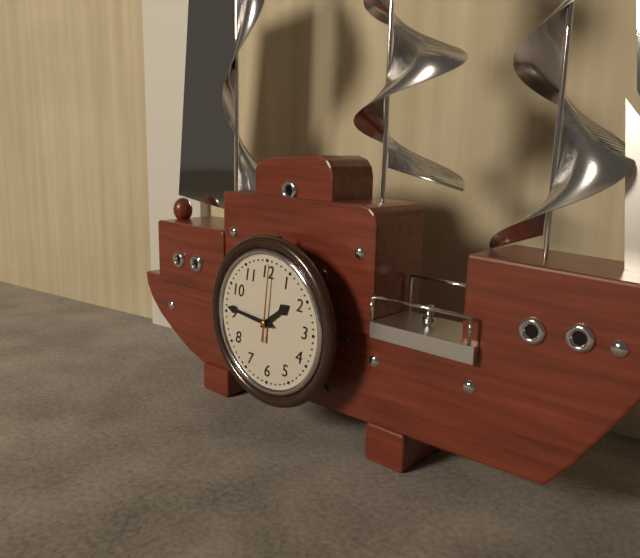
1:46:01
